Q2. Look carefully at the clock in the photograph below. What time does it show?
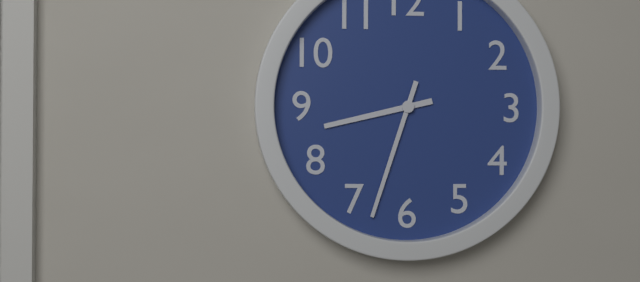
8:33
